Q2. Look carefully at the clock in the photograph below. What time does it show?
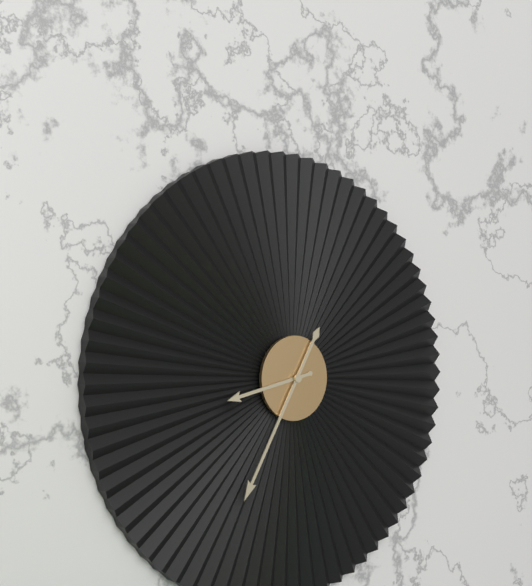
8:35
